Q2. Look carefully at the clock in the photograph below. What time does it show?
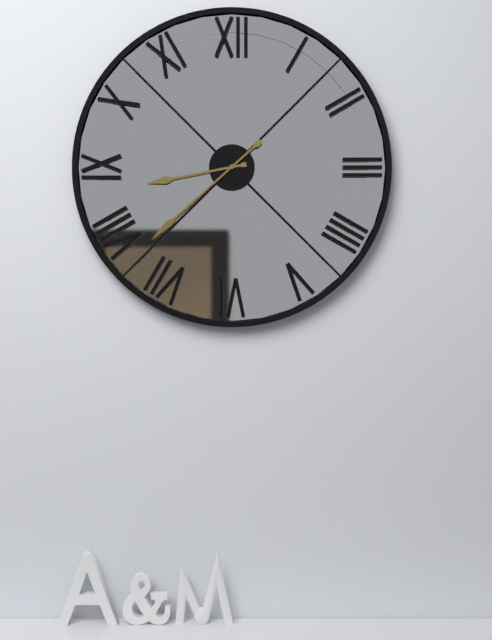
8:38
